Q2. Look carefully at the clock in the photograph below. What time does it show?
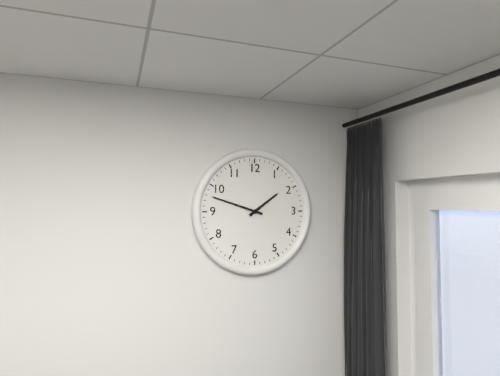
1:48
